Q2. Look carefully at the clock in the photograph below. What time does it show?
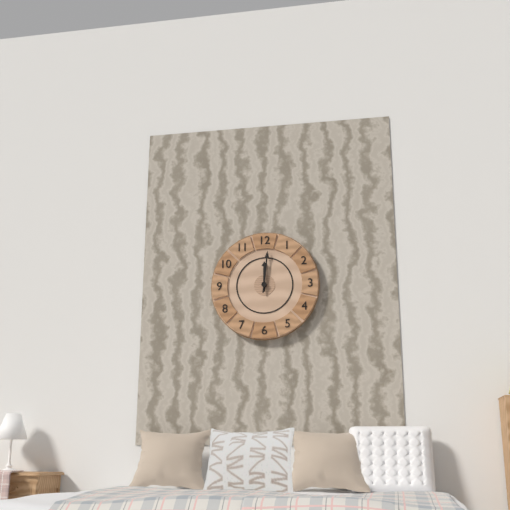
12:01
